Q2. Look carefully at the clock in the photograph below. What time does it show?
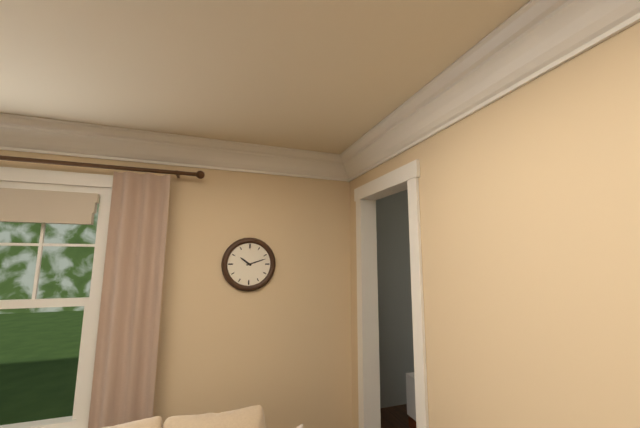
10:12
